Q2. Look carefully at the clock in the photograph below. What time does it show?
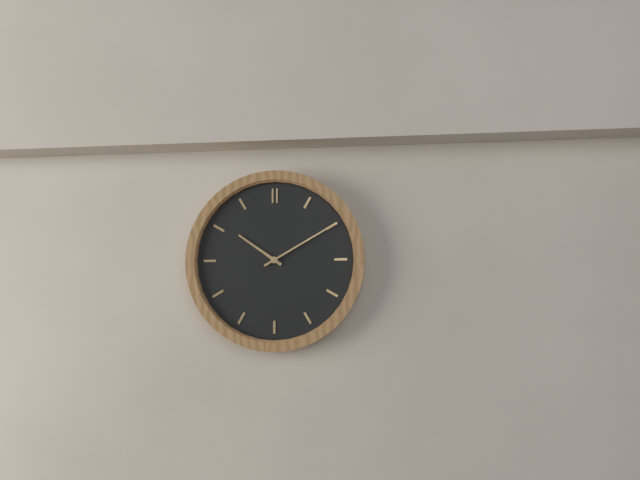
10:10
